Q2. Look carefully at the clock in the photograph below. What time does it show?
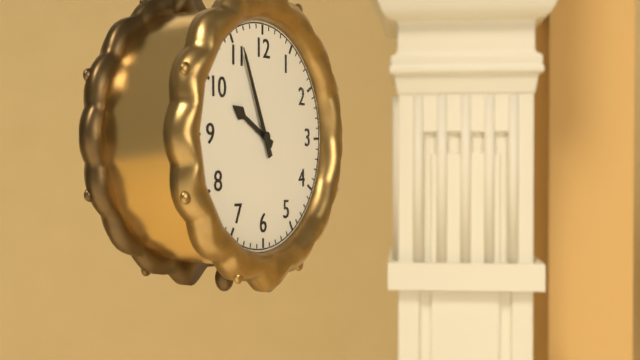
9:56
